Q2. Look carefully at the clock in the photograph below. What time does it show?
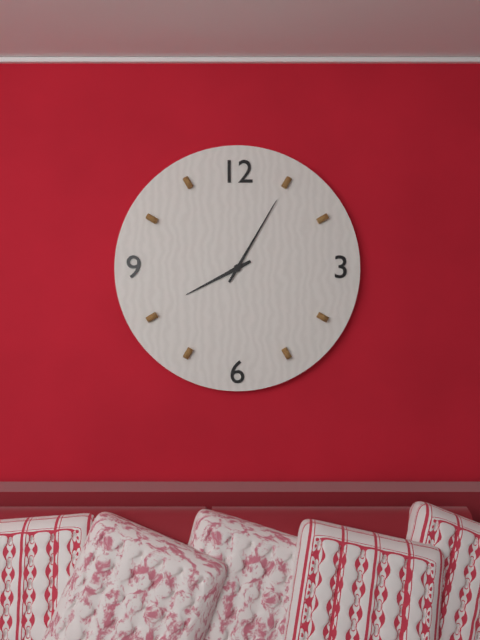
8:05
